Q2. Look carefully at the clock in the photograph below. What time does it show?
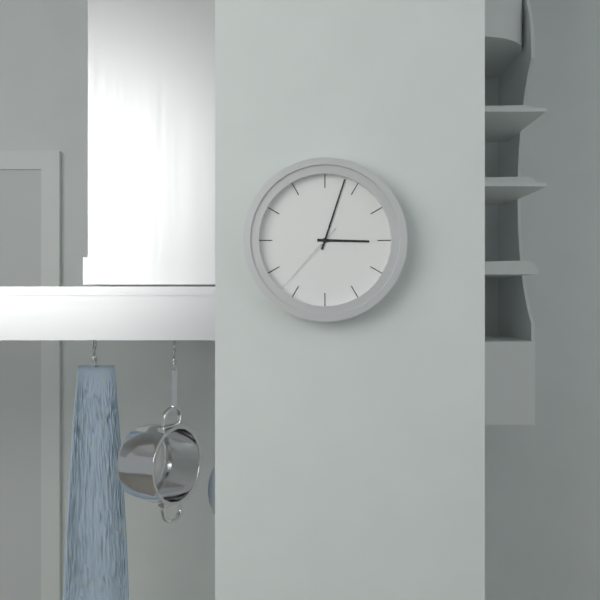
3:03:37
